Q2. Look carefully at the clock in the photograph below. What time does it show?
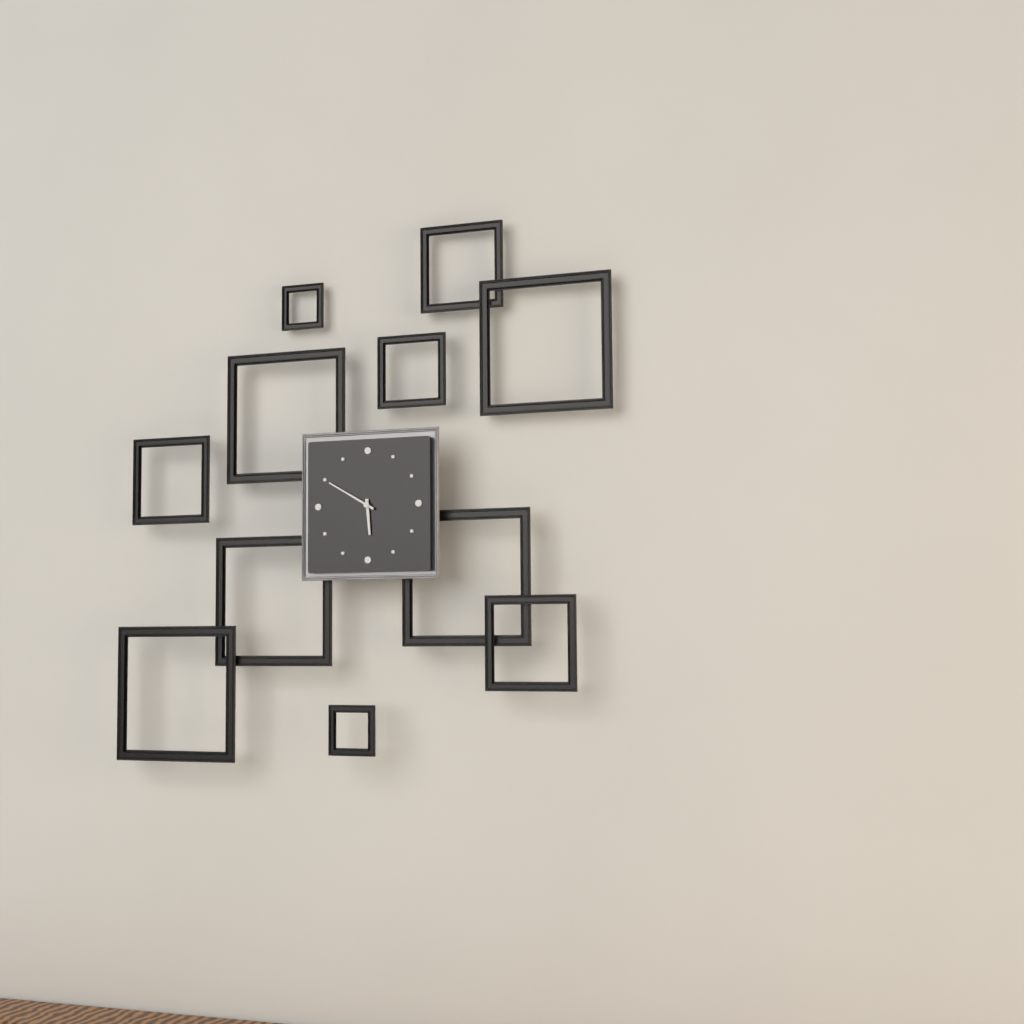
5:50
